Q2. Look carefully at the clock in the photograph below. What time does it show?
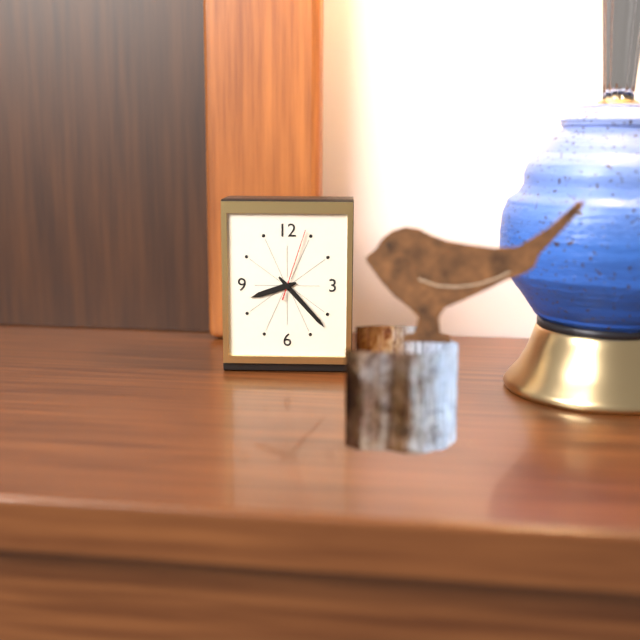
8:23:03
